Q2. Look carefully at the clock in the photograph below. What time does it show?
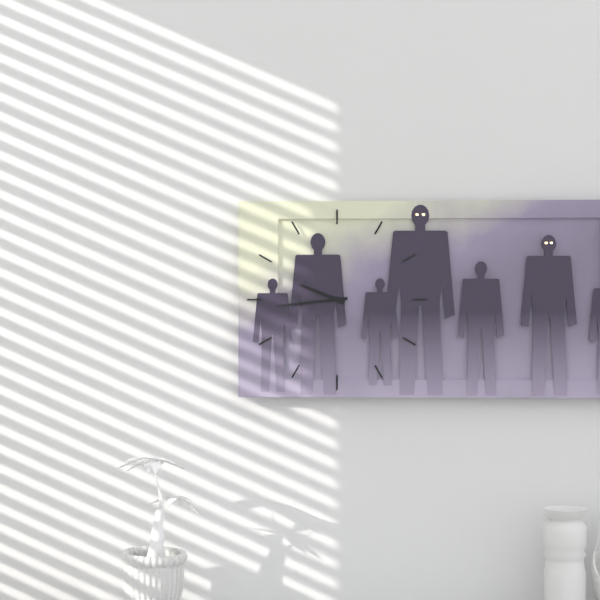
9:44
